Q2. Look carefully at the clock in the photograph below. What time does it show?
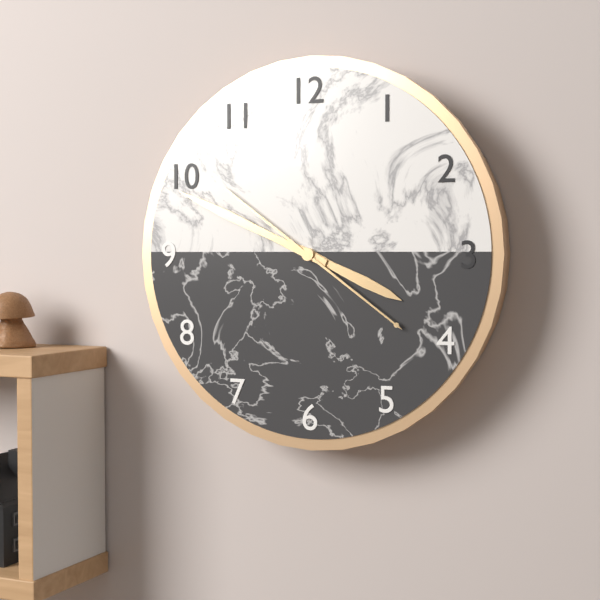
3:49:21
